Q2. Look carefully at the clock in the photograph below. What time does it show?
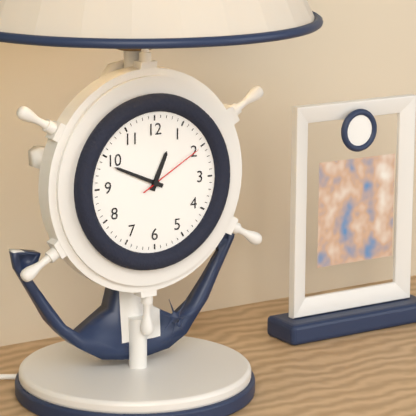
12:49:10
